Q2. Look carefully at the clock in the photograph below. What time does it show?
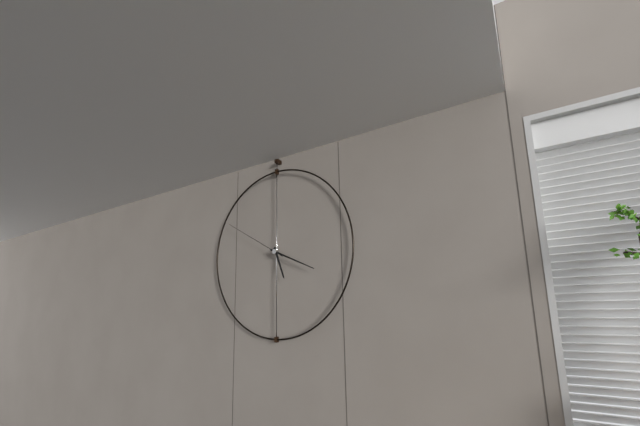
5:19:50
